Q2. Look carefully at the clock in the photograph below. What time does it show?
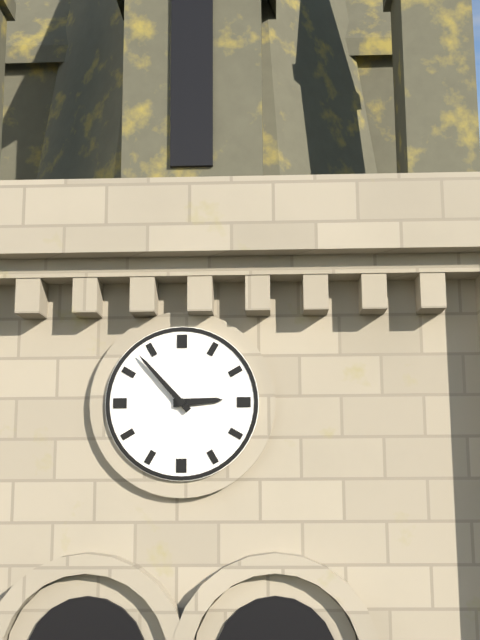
2:53
